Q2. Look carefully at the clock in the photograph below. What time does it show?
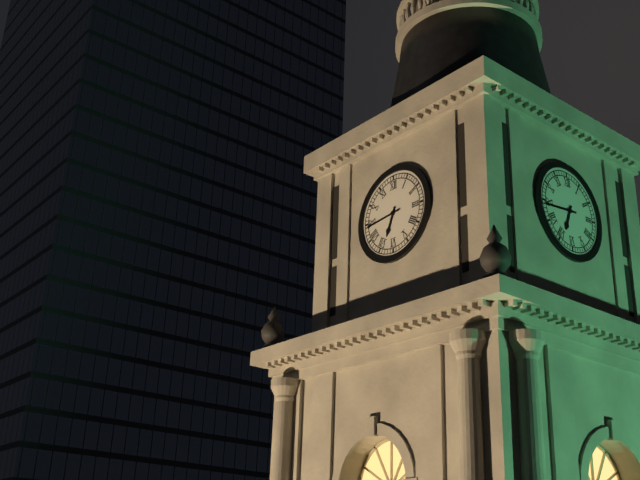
6:44
